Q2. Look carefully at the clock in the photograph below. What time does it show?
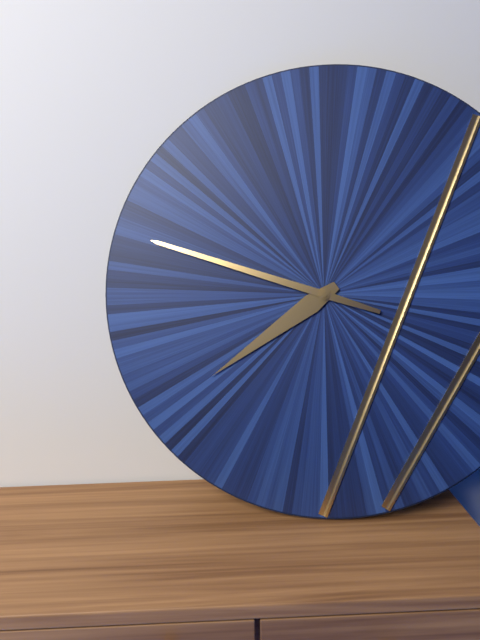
7:48
